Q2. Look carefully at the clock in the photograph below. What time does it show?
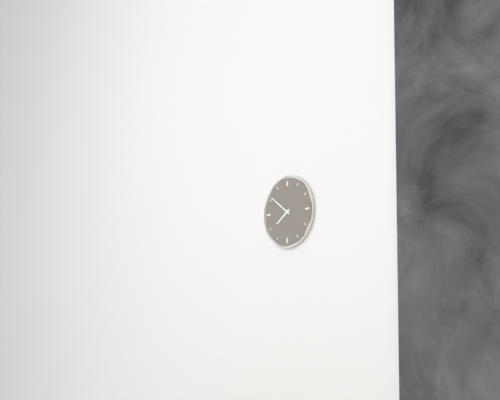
7:51
